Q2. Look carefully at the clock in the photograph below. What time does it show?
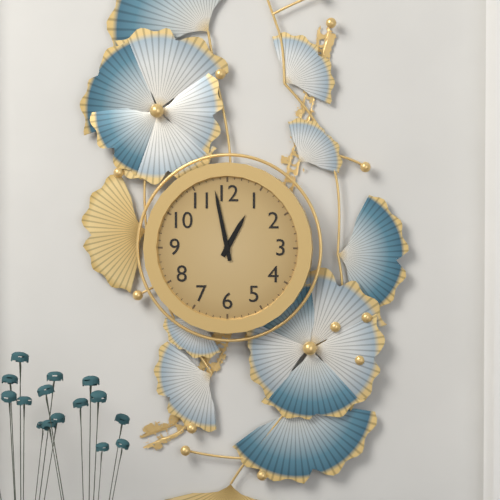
12:58
